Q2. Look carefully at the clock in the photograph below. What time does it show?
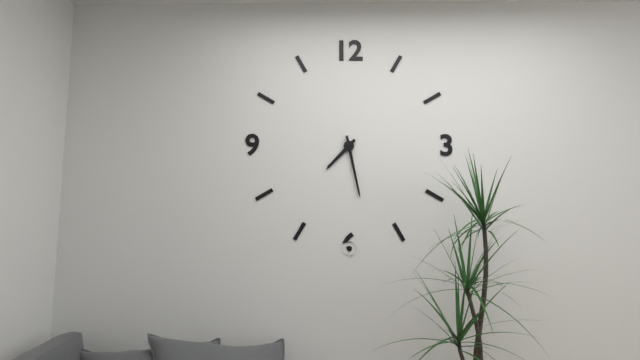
7:28
